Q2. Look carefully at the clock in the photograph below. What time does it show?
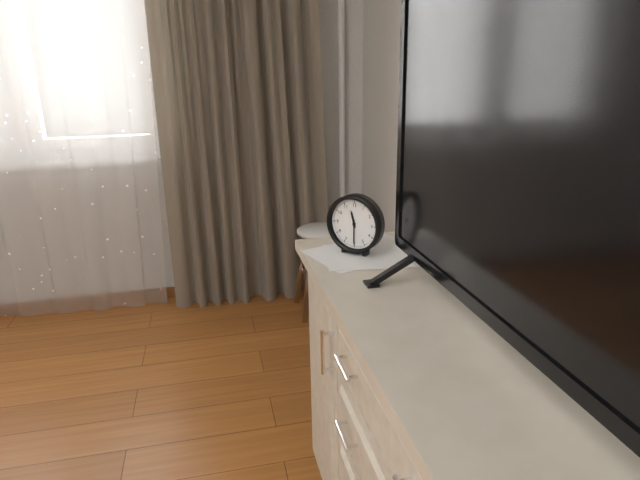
11:30
